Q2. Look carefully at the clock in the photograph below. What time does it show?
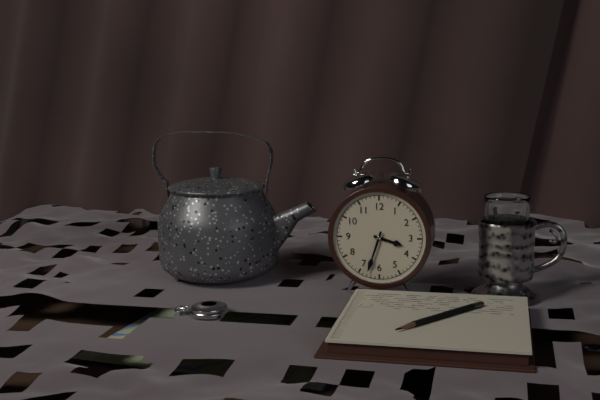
3:33
